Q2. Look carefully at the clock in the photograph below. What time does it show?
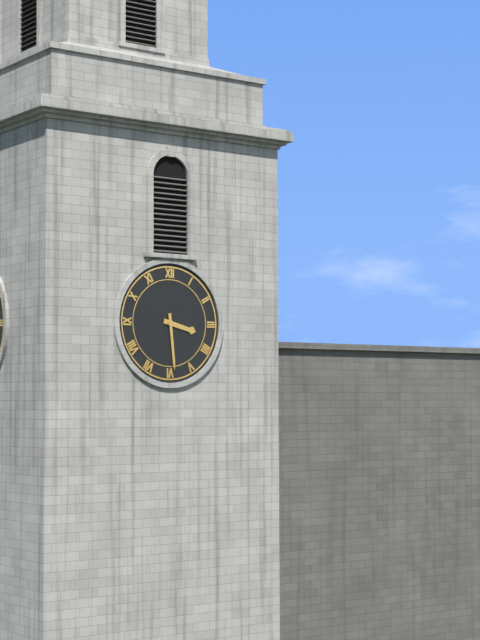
3:29
